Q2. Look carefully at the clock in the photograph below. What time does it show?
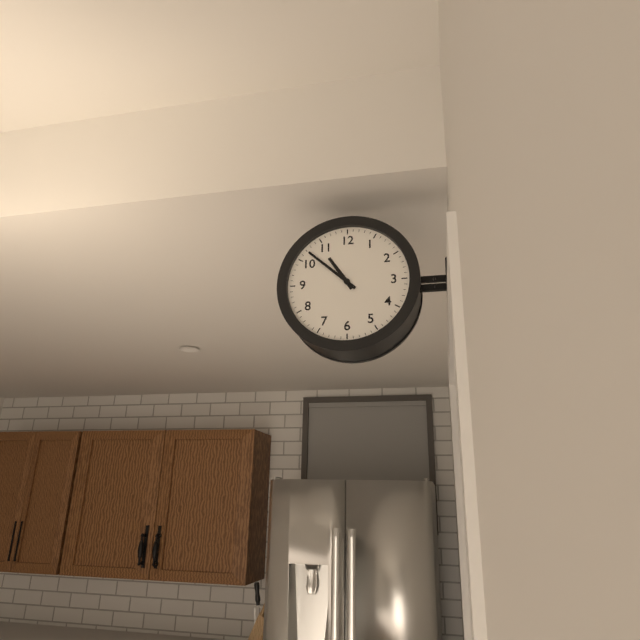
10:52
